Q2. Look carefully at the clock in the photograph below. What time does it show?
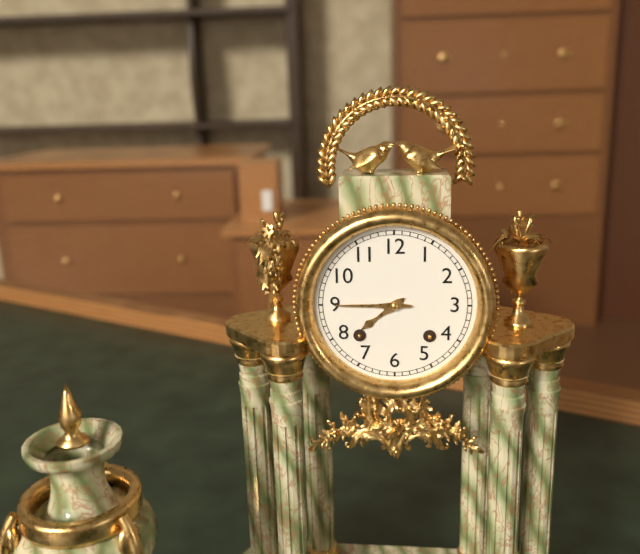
7:45
